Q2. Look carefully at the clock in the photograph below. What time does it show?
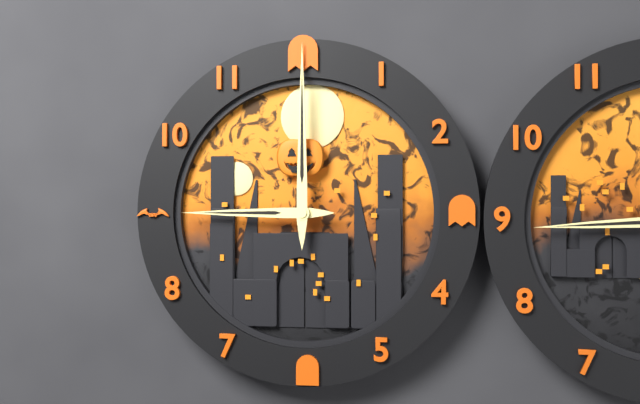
9:00
